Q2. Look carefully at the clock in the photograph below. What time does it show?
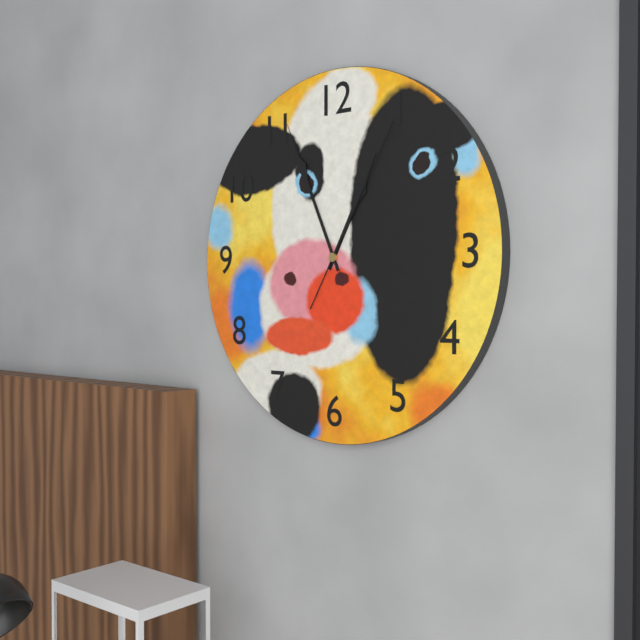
12:56:05
